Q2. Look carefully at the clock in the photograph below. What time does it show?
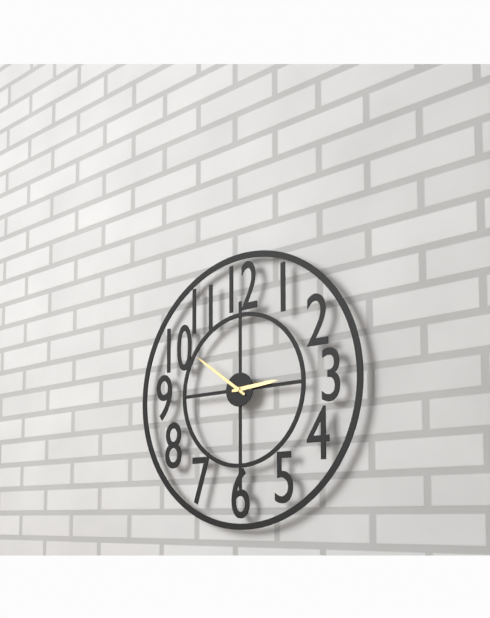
2:51
